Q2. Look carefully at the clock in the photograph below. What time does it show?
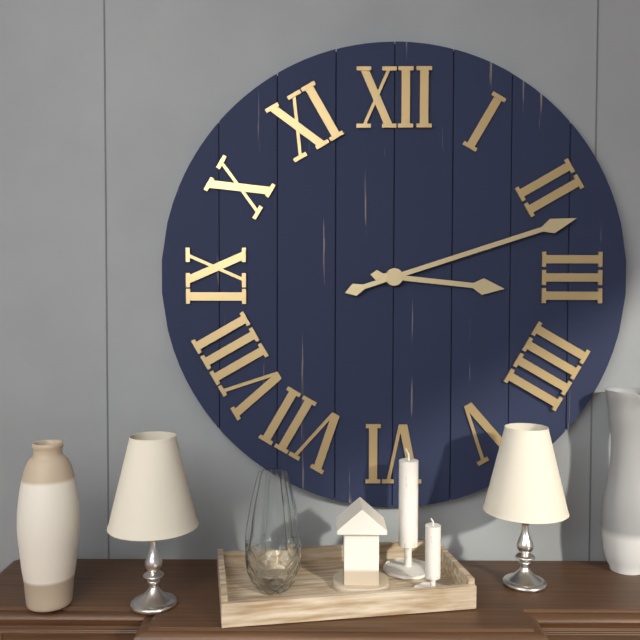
3:12
